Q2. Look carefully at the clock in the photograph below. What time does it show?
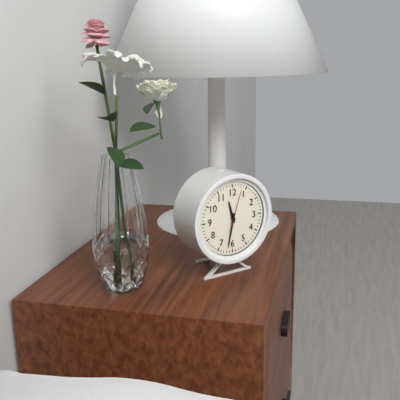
11:32
